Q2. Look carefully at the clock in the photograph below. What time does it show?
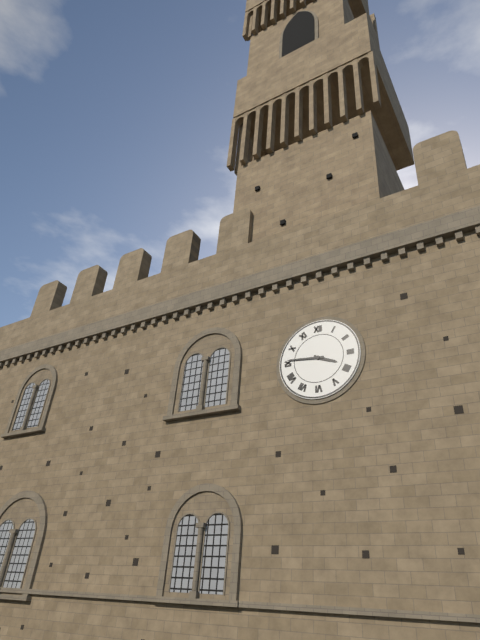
3:46
